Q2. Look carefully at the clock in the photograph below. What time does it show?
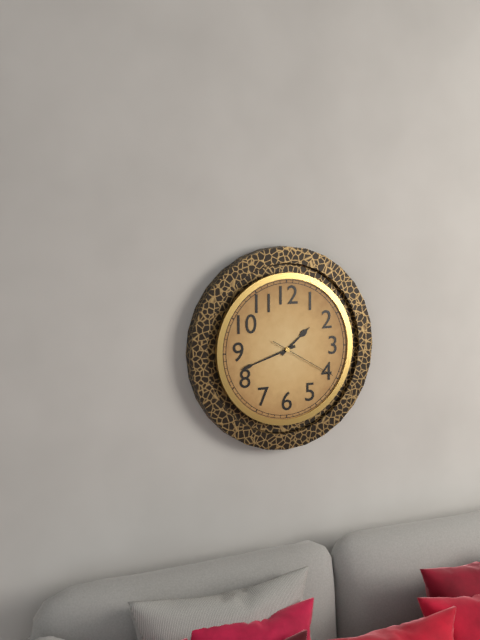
1:42:20
